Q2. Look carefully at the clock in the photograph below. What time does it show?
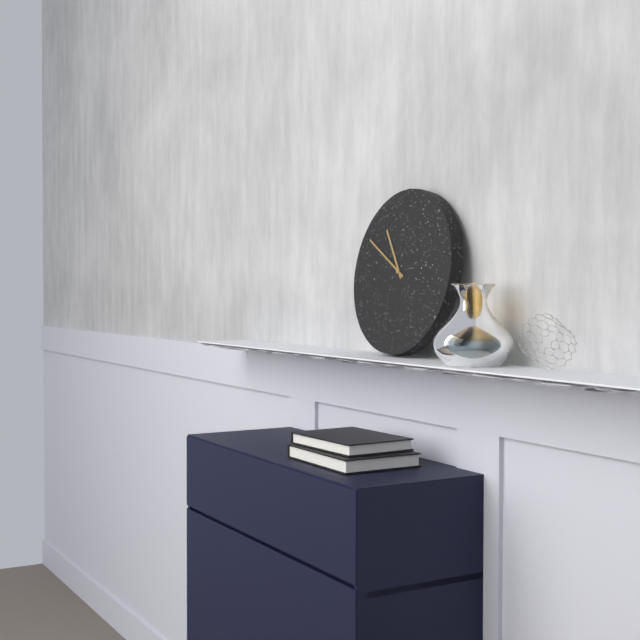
10:50
